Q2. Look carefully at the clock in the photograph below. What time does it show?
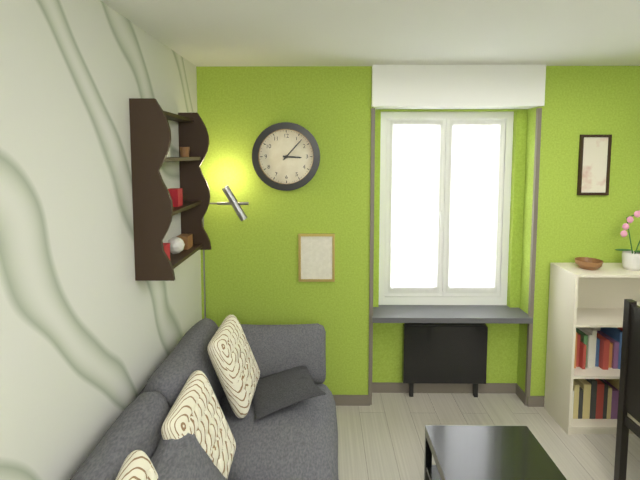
3:07
